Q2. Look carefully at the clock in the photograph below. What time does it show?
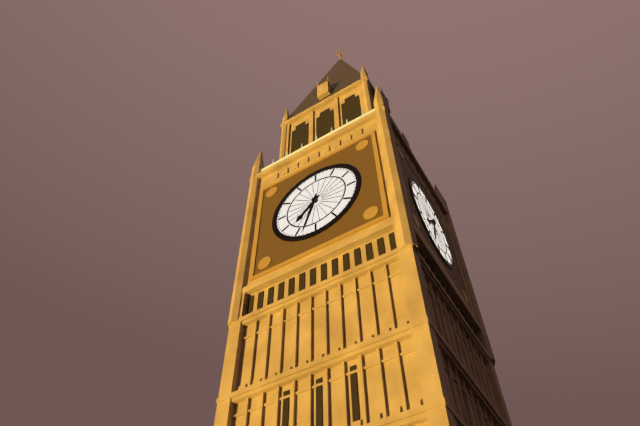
7:33
